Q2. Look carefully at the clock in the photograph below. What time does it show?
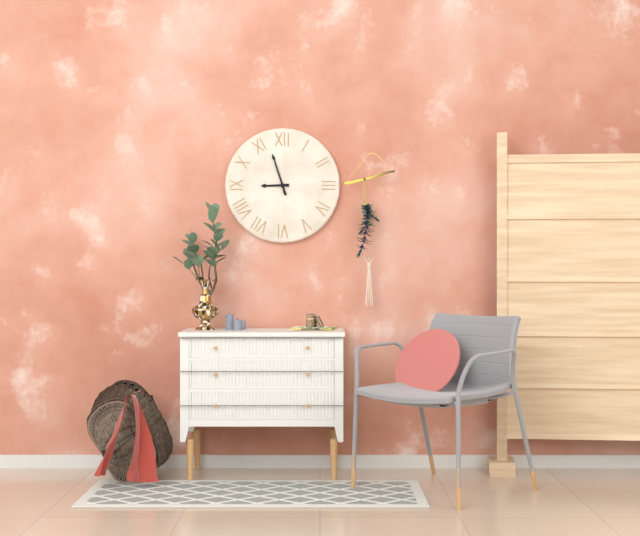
8:57
